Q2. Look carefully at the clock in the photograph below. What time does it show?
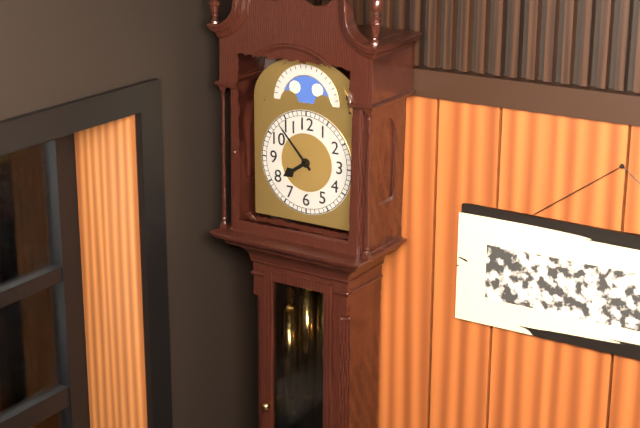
7:53
